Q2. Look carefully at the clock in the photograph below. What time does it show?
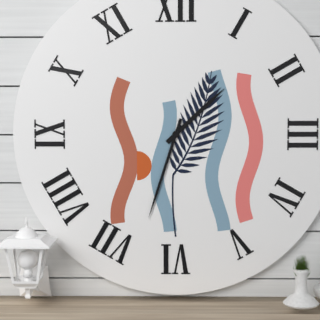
1:33
